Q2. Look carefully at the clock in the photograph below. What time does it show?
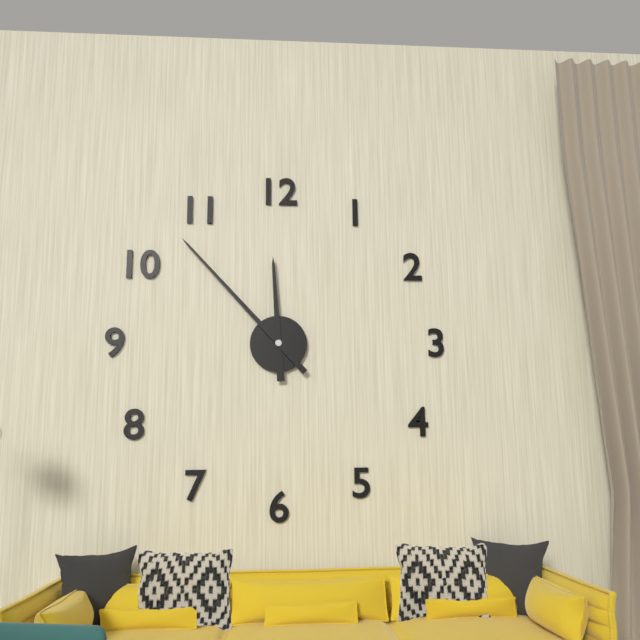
11:53
